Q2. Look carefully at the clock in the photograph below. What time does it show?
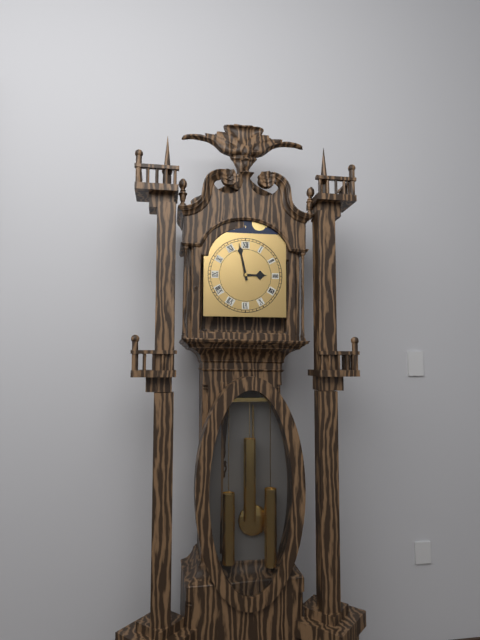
2:58
